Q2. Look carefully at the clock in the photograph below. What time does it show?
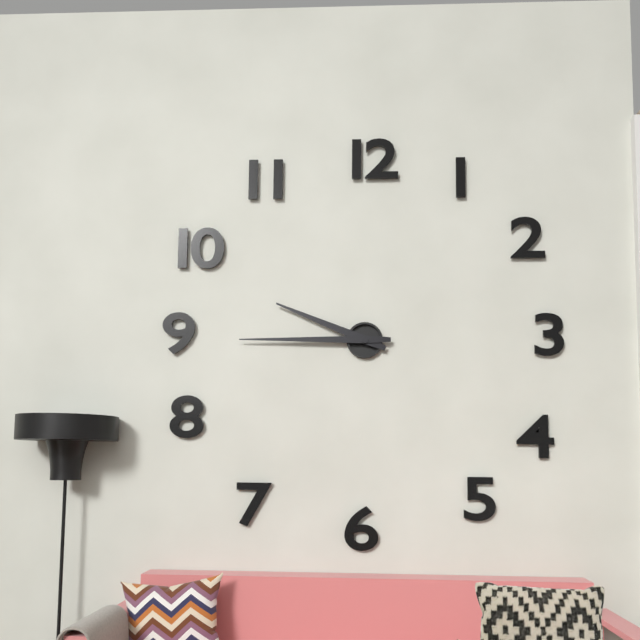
9:45
